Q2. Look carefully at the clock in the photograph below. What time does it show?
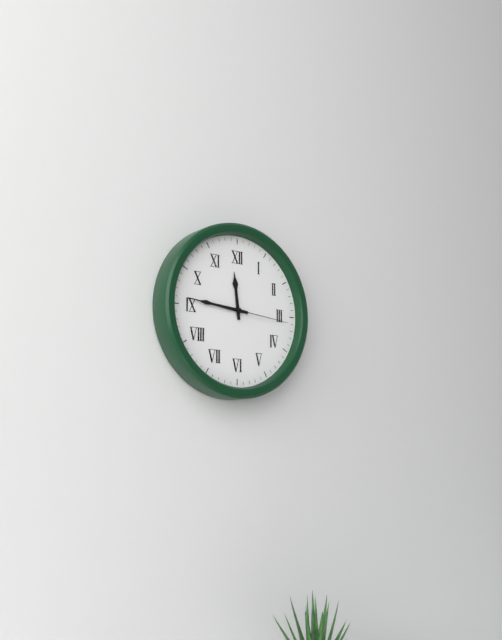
11:46:16
